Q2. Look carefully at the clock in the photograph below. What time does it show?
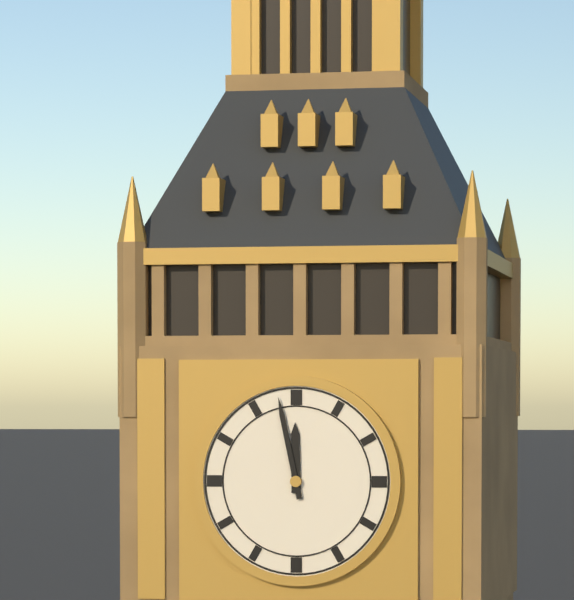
11:58
